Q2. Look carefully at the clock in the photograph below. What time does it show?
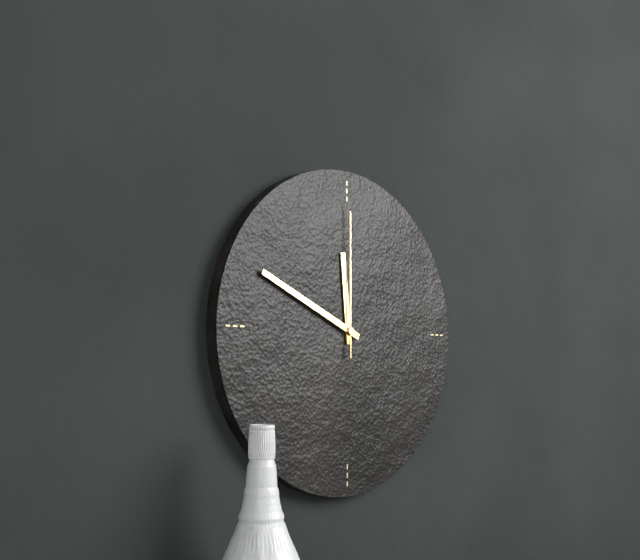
11:49:00
